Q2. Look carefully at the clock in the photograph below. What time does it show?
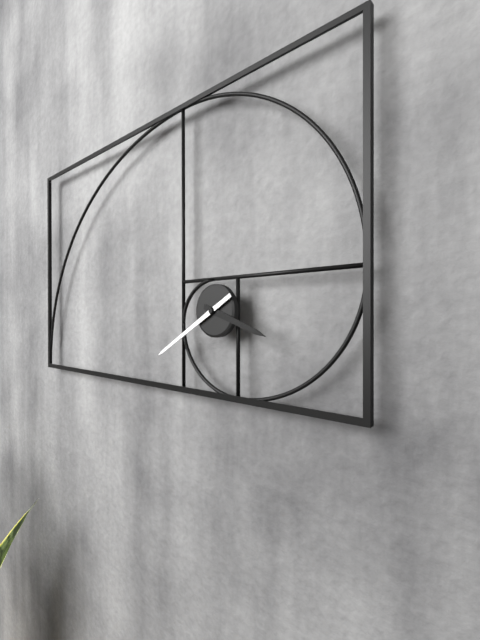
3:40
